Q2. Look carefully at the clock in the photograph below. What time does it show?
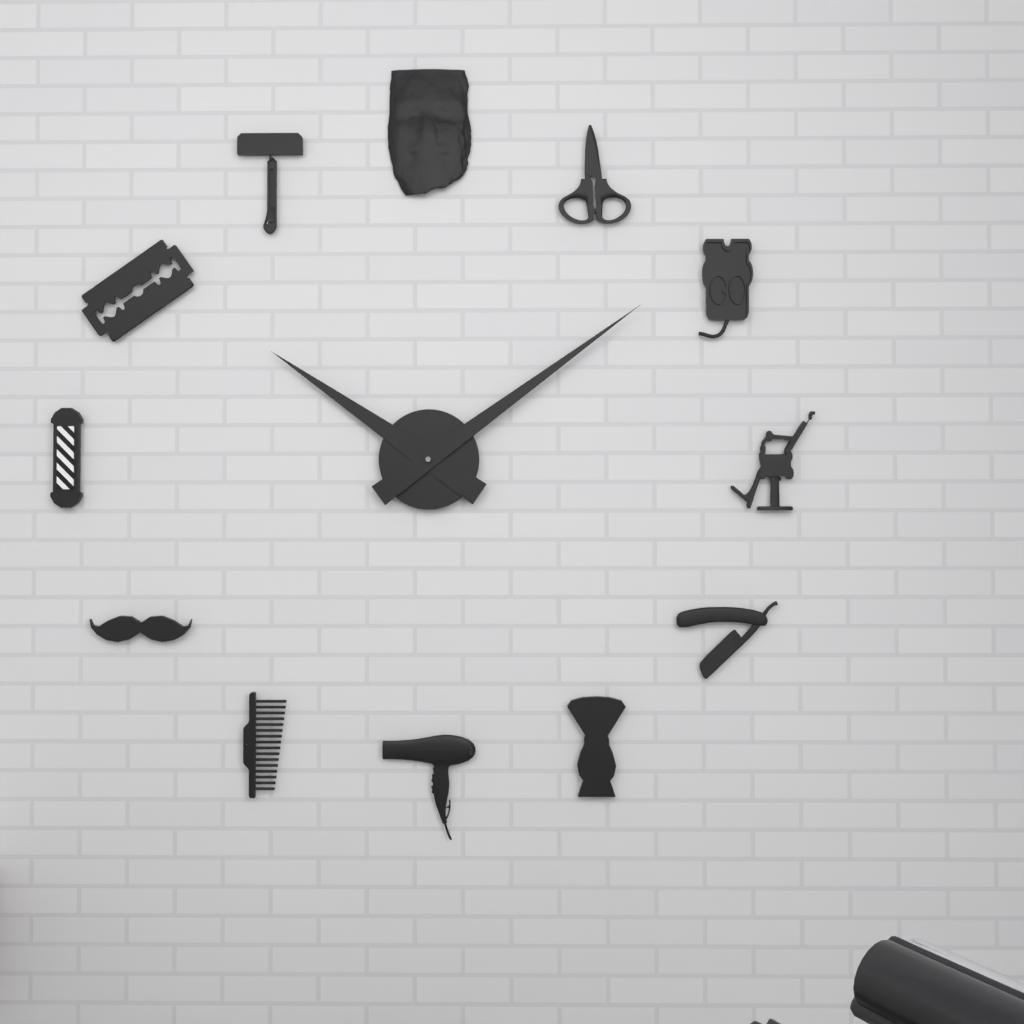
10:09
